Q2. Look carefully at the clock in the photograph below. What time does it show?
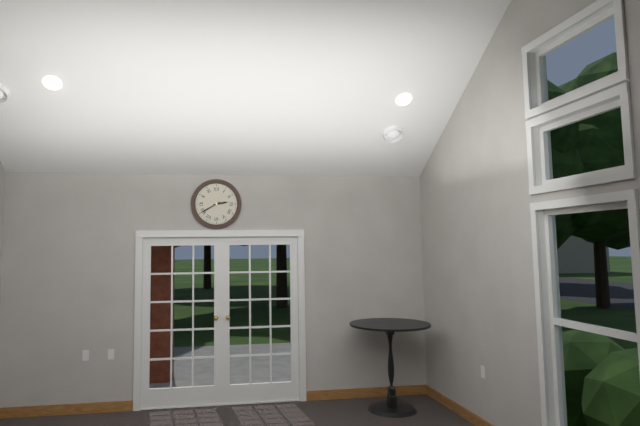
2:40
